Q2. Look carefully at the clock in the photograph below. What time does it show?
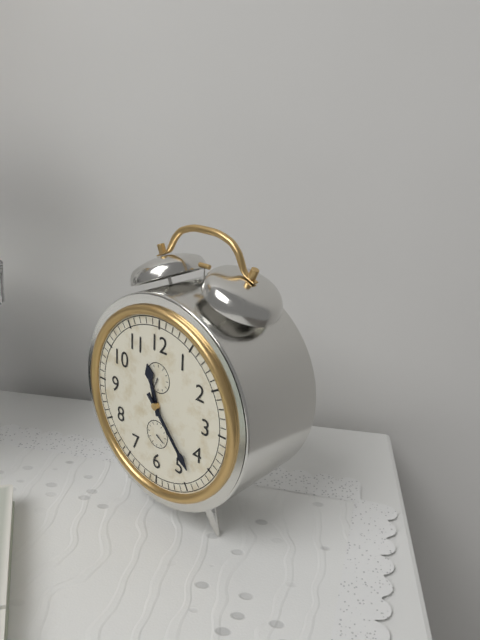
11:23
